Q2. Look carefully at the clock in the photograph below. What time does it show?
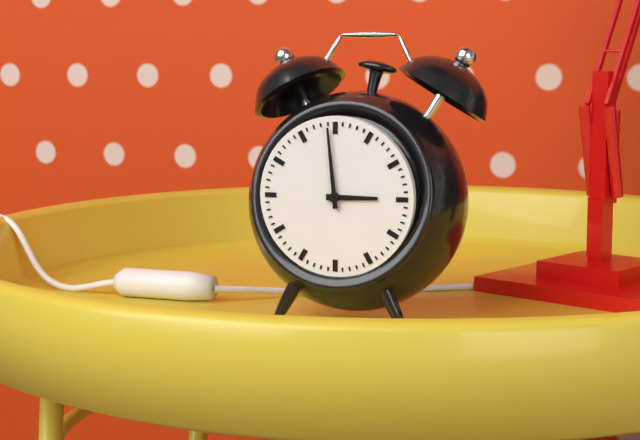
2:59
